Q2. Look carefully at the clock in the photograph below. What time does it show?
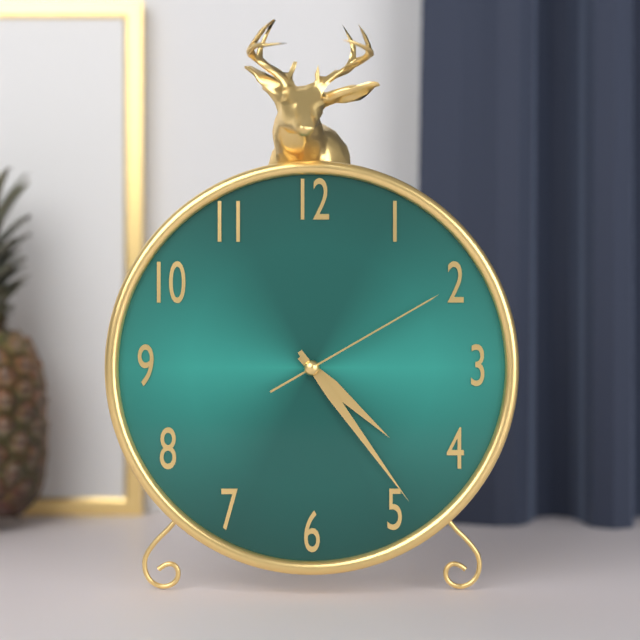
4:24:10
